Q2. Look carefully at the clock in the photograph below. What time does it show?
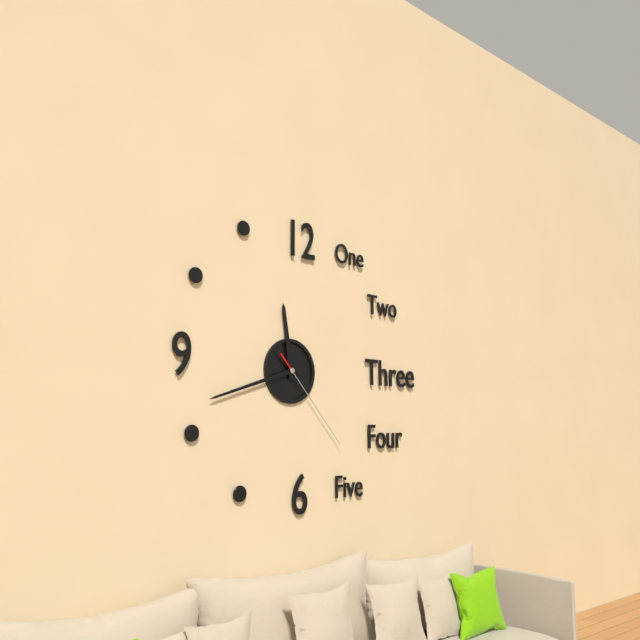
11:42:23
